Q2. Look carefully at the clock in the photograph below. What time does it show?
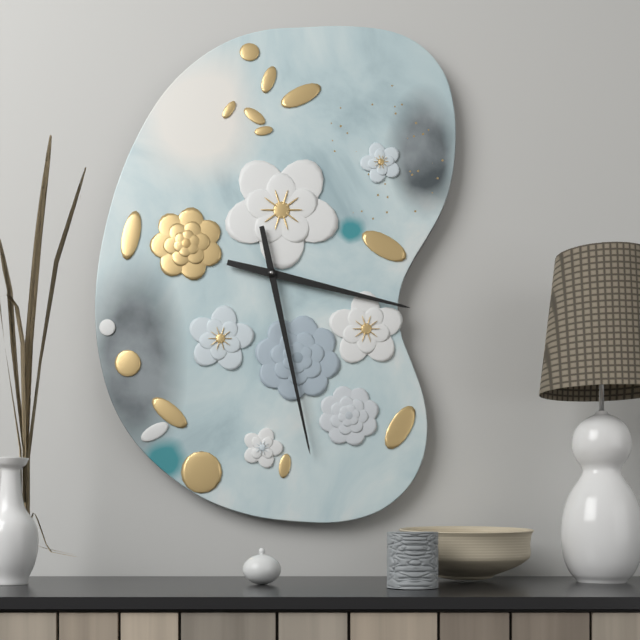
3:28
